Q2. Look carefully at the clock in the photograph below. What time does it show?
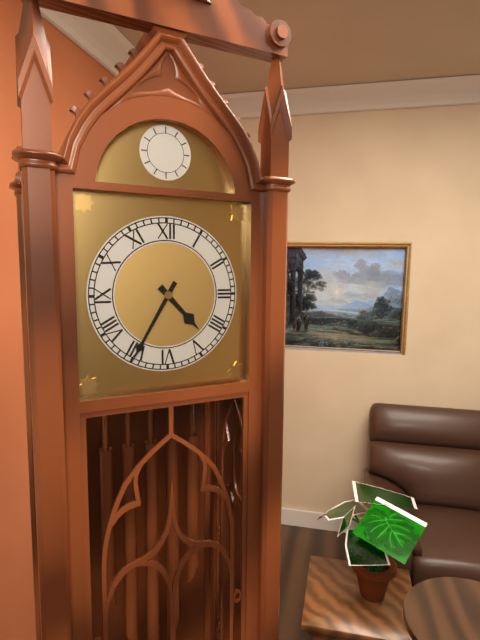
4:35
